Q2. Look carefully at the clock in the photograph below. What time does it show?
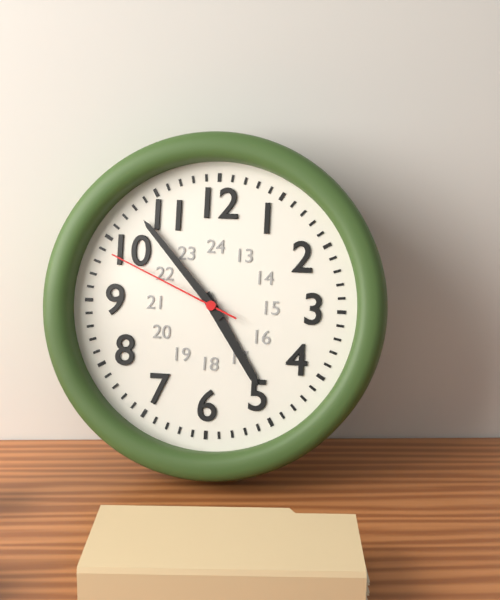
4:53:49
